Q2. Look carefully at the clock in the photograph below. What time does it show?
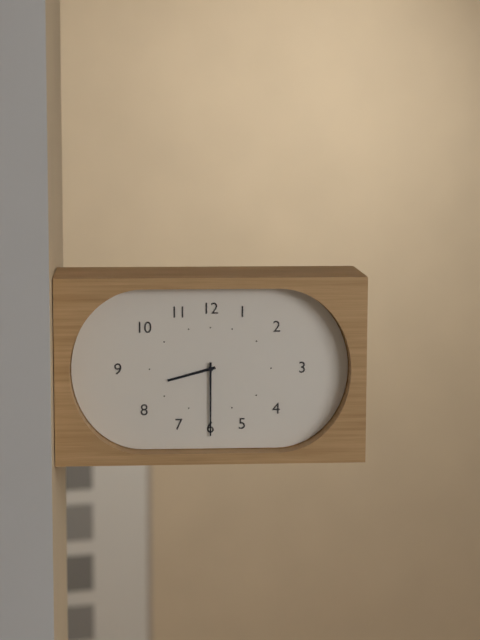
8:30
